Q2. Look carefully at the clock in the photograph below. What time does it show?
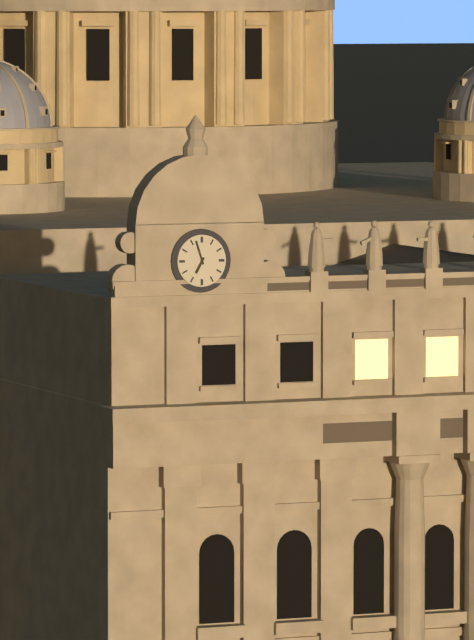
6:57
